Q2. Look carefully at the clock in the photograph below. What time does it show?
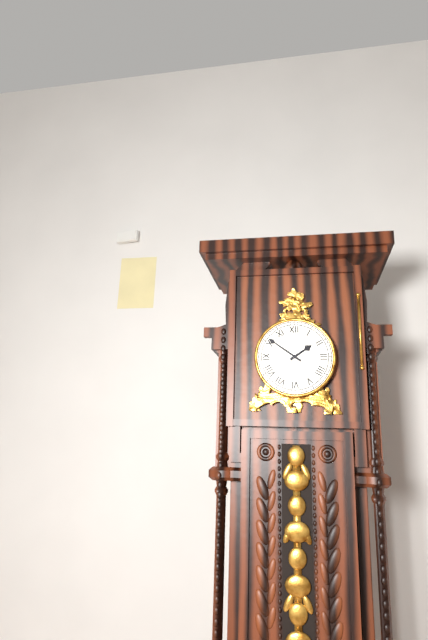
1:51
